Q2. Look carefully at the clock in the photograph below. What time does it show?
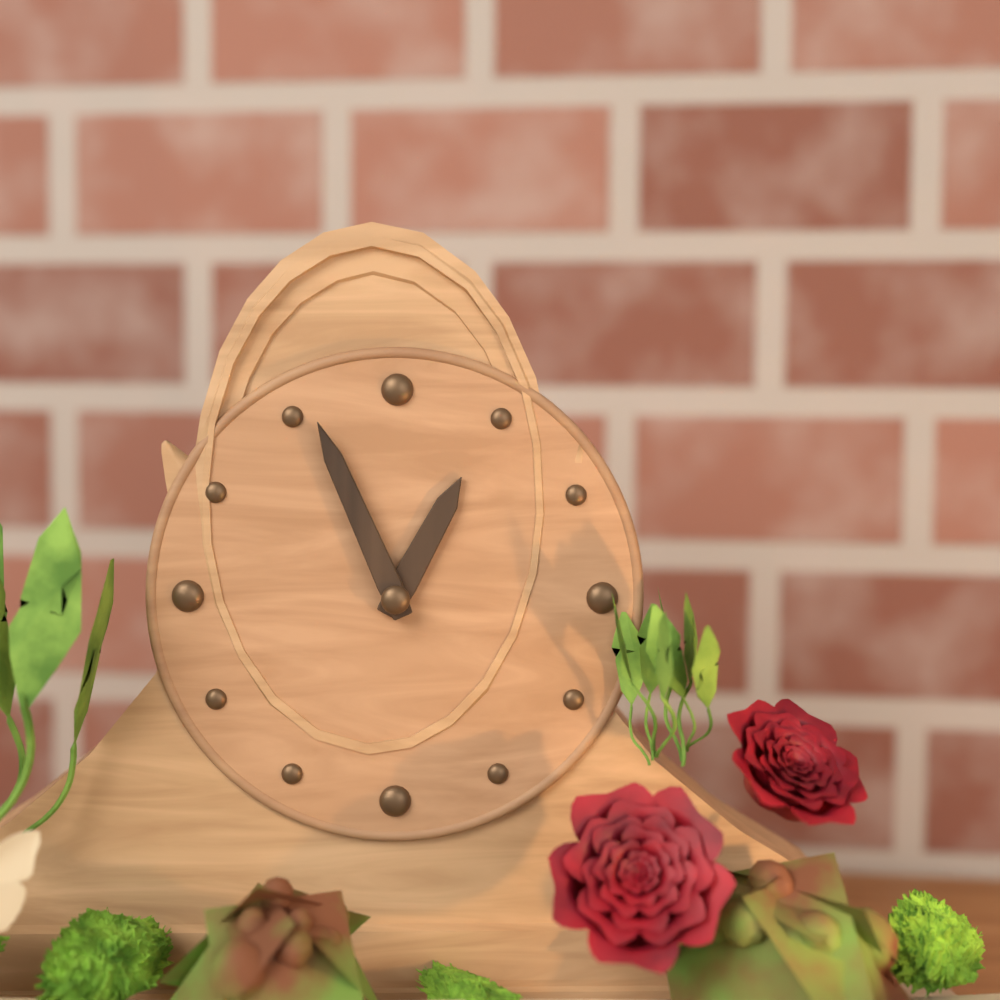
12:56
